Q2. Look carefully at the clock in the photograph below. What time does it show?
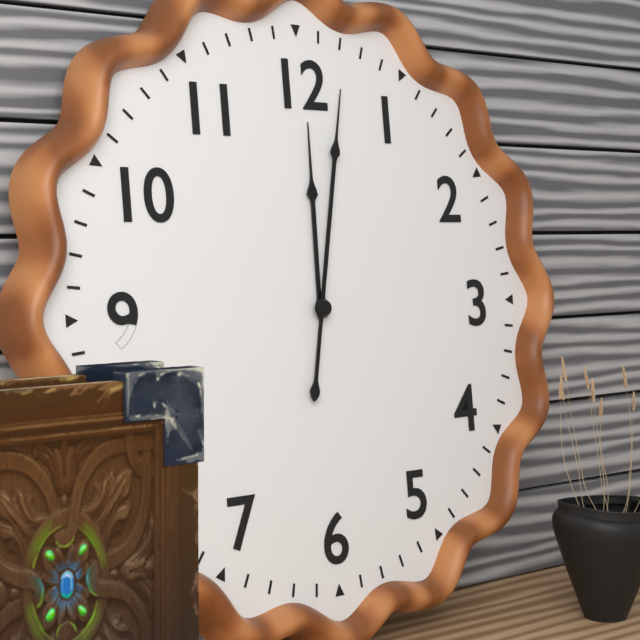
12:02
